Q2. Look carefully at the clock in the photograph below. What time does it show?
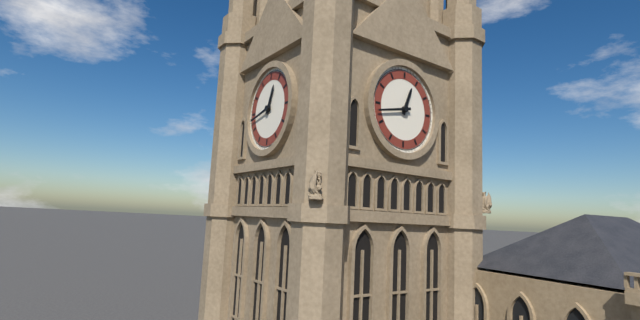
12:43
